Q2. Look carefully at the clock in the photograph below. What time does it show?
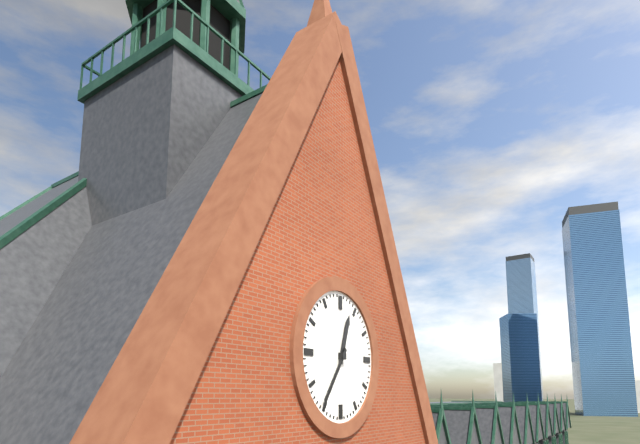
12:36
